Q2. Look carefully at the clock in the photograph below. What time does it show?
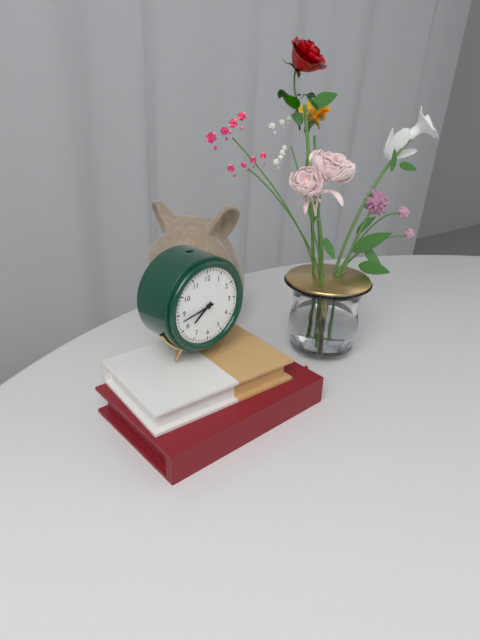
7:43
